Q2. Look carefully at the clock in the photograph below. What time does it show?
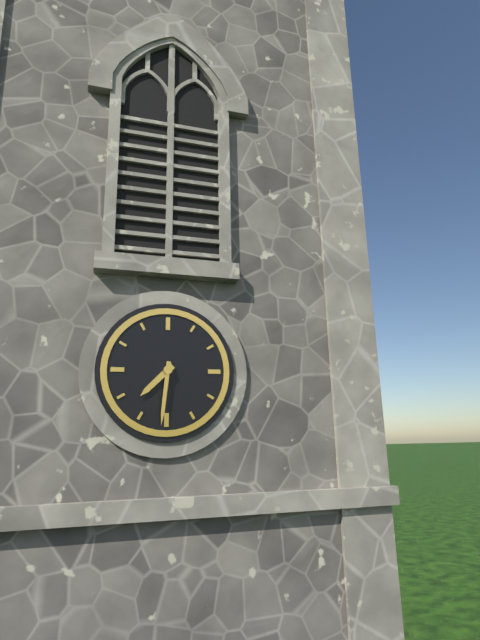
7:31
